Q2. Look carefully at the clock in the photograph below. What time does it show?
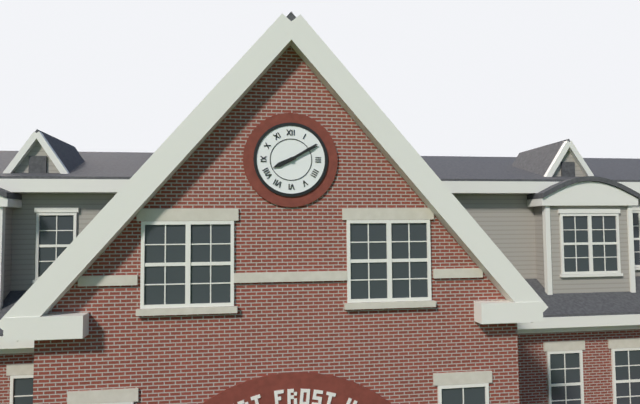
8:10
